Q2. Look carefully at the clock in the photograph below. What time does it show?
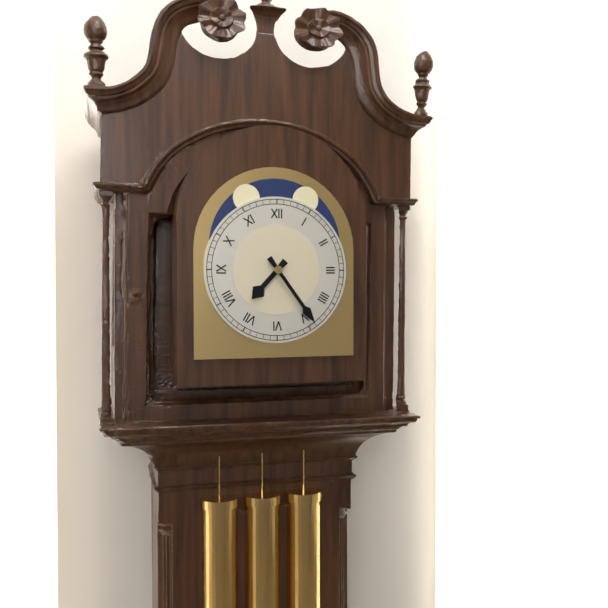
7:24
